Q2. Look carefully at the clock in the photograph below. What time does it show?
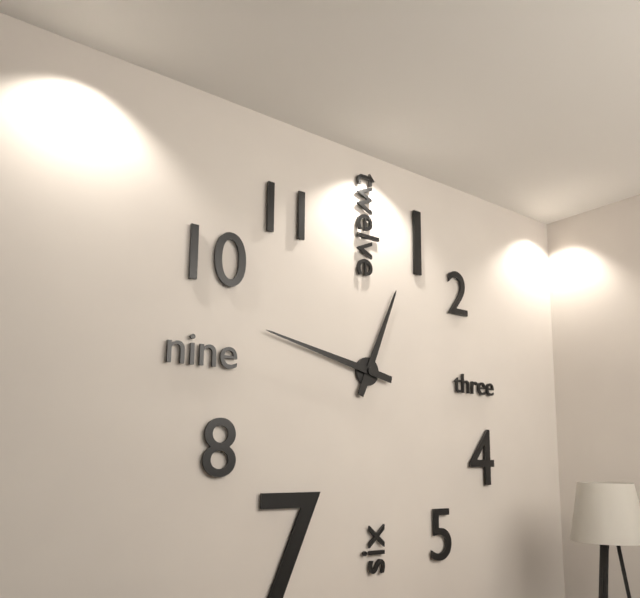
12:47
